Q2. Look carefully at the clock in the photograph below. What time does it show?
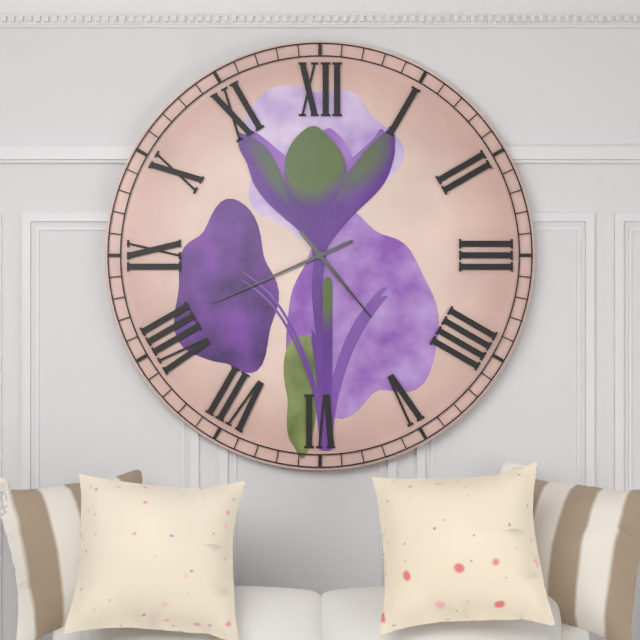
4:41
